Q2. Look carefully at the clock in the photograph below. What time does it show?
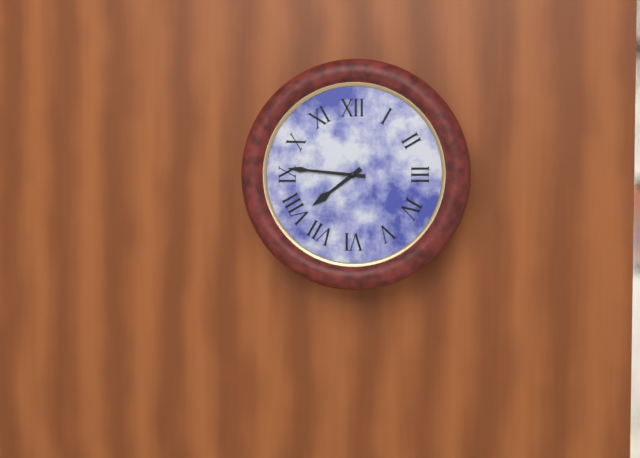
7:46
